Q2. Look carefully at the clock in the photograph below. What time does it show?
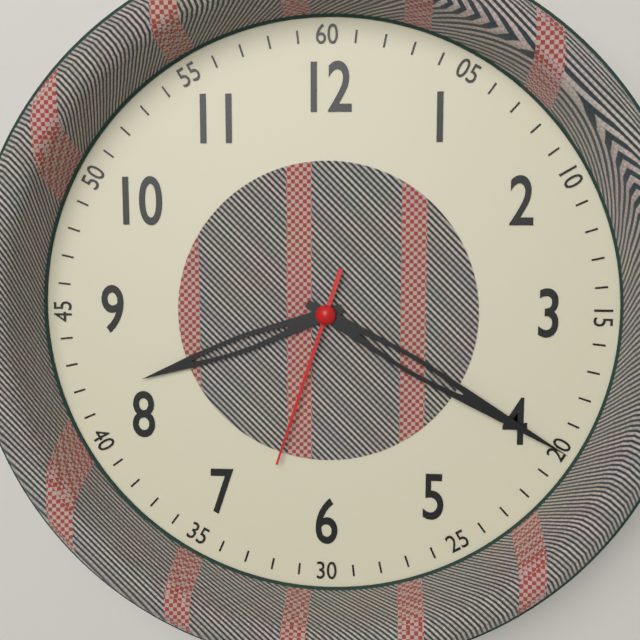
8:20:33
